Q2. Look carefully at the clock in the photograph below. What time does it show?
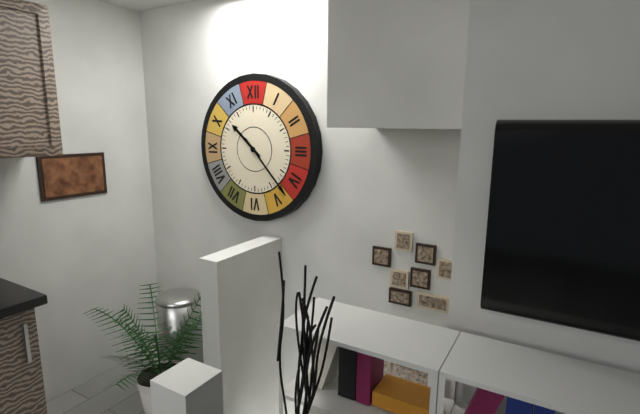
10:23
